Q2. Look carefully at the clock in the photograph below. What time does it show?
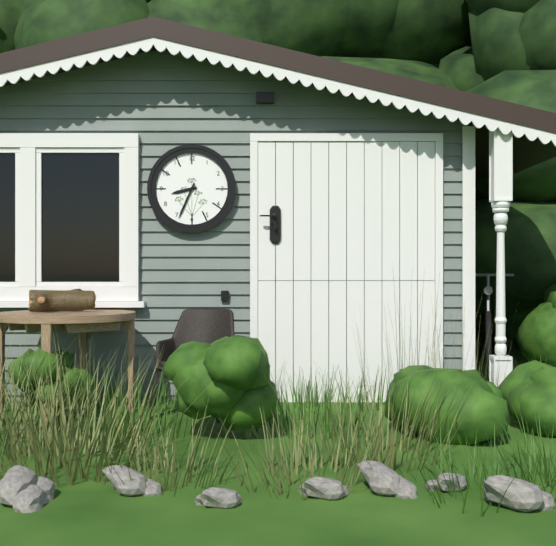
8:34
